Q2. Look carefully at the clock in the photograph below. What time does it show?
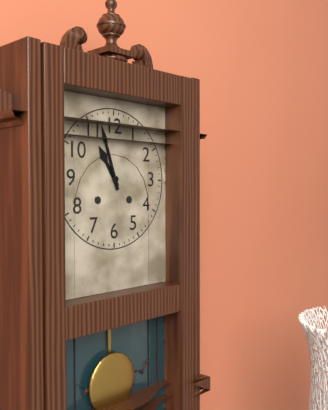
10:57
